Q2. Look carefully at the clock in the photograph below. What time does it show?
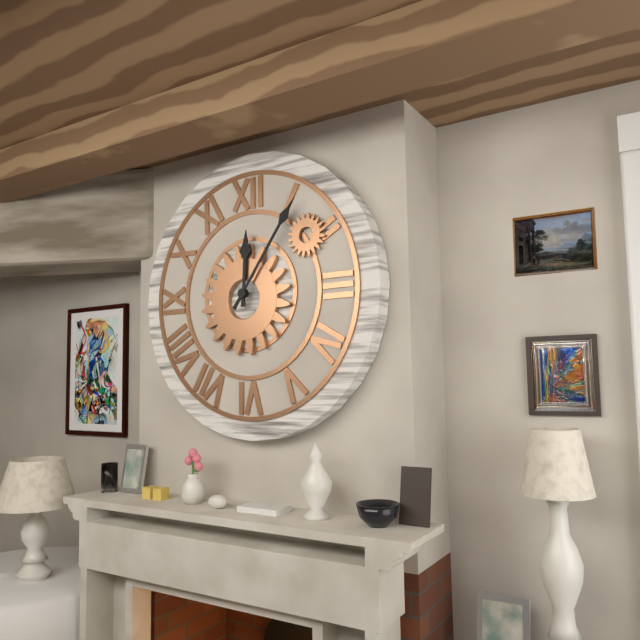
12:06
